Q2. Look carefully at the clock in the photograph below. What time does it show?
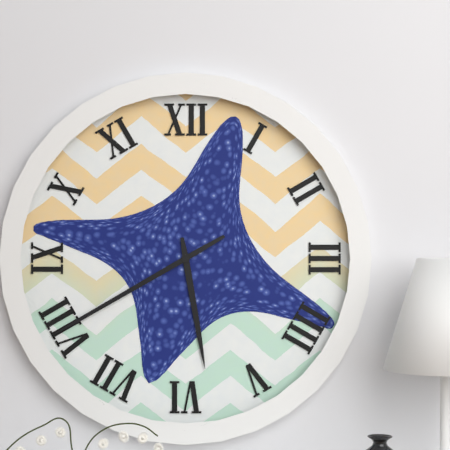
5:40
